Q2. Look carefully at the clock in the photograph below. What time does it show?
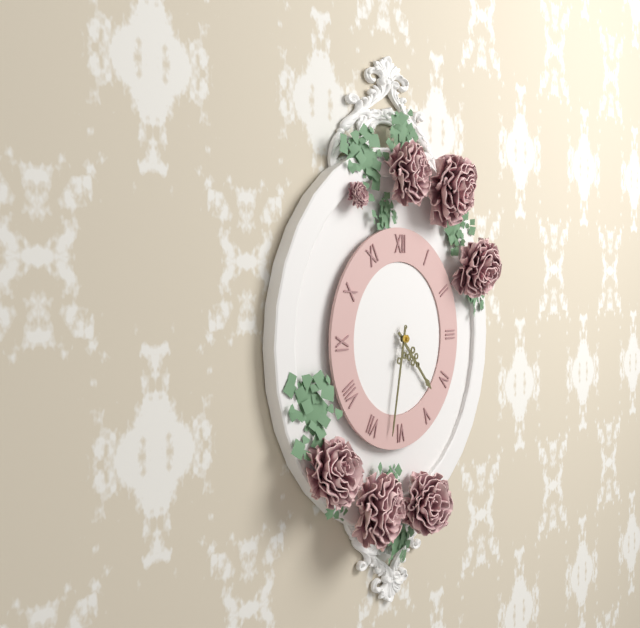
4:32
